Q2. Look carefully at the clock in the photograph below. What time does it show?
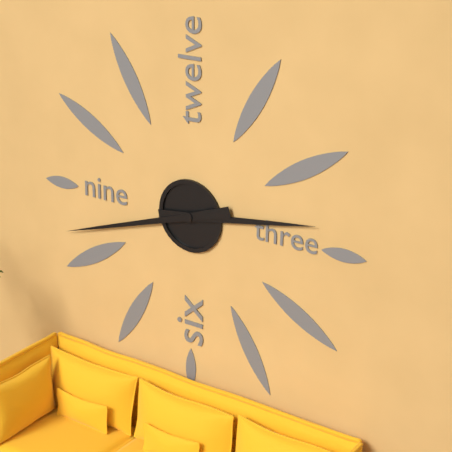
2:42
